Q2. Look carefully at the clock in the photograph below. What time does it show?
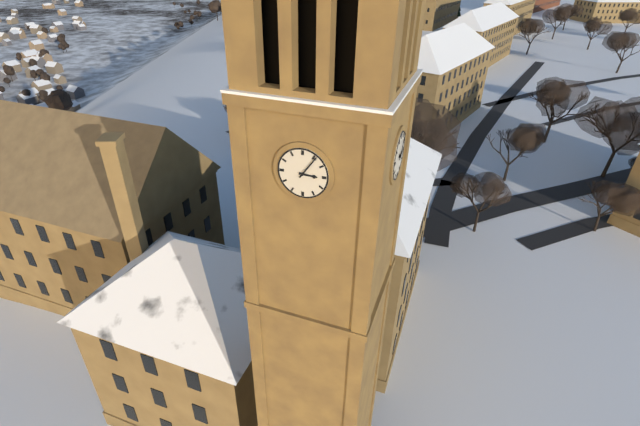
3:06
